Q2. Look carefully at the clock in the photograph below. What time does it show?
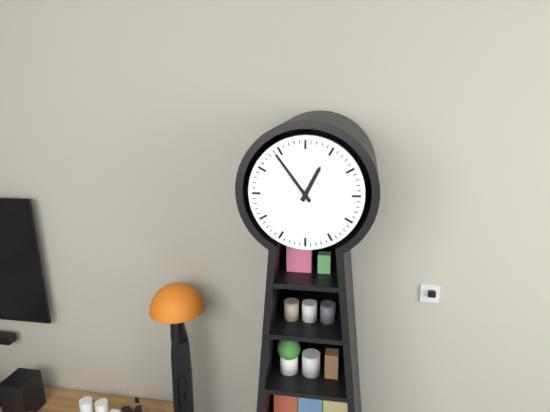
12:54
